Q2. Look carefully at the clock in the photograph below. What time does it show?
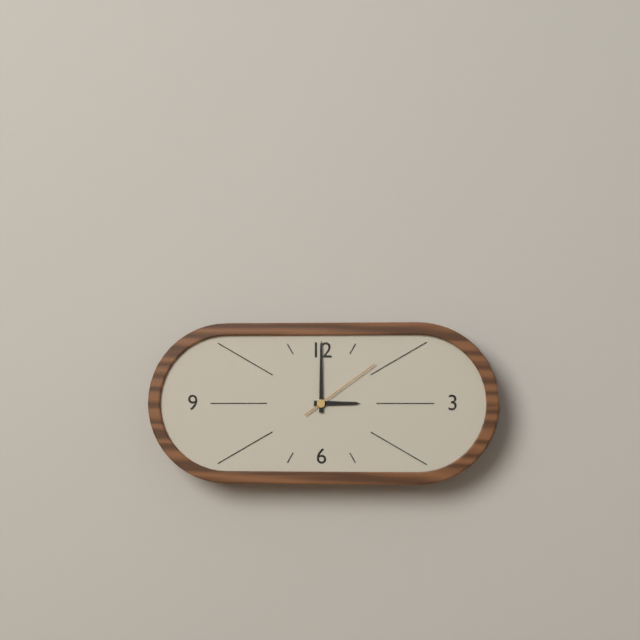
3:00:09
